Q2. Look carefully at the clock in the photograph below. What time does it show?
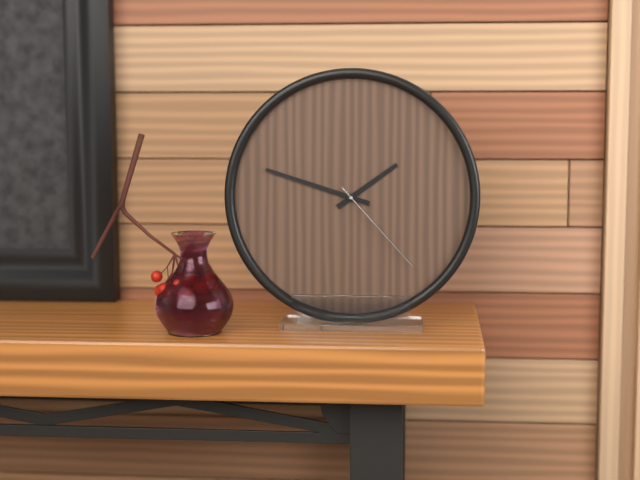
1:48:23
